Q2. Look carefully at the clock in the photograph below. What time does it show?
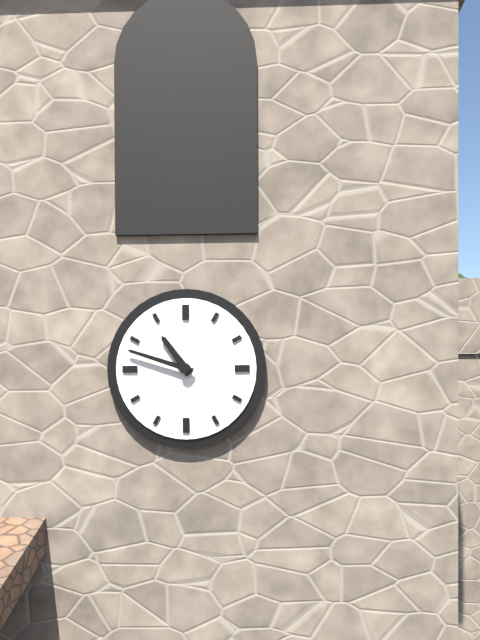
10:48
